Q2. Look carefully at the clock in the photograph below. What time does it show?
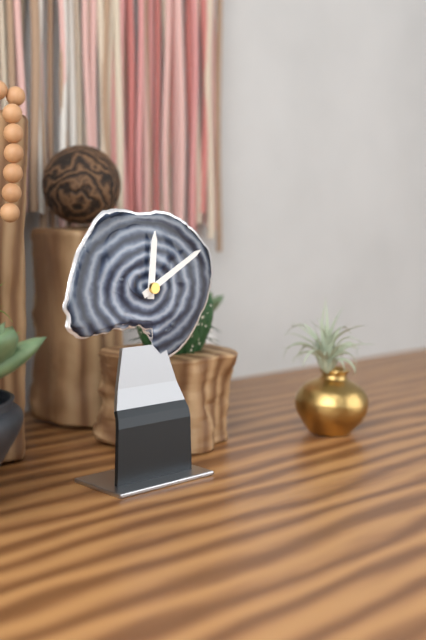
12:10
